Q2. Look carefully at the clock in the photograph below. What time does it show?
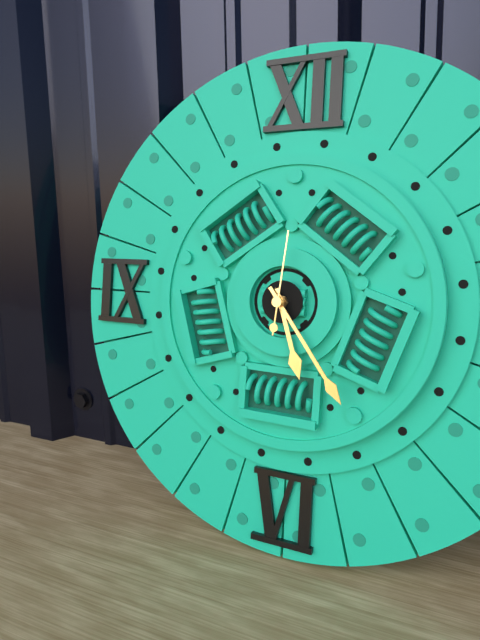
5:24:01
